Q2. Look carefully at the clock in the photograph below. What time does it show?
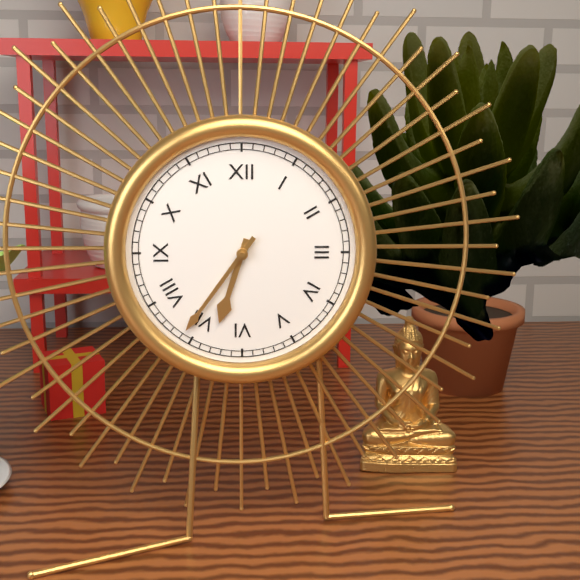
6:36
